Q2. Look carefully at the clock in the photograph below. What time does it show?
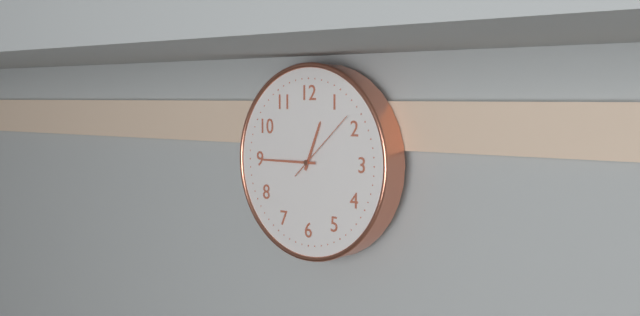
12:45:08
